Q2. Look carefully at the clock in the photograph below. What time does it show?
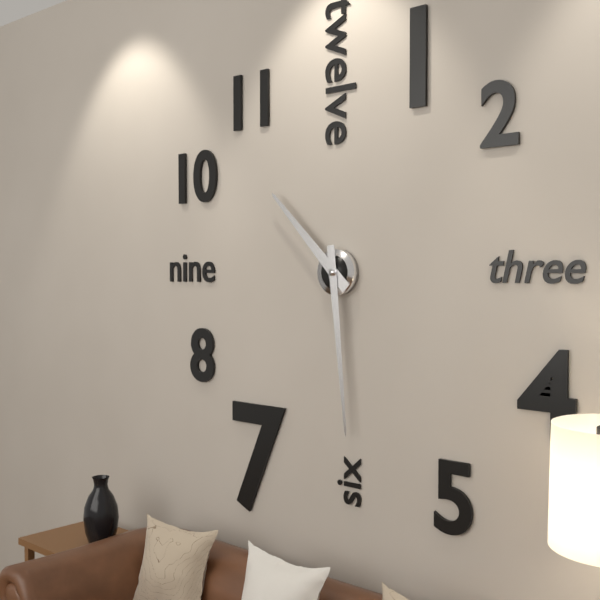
10:29
